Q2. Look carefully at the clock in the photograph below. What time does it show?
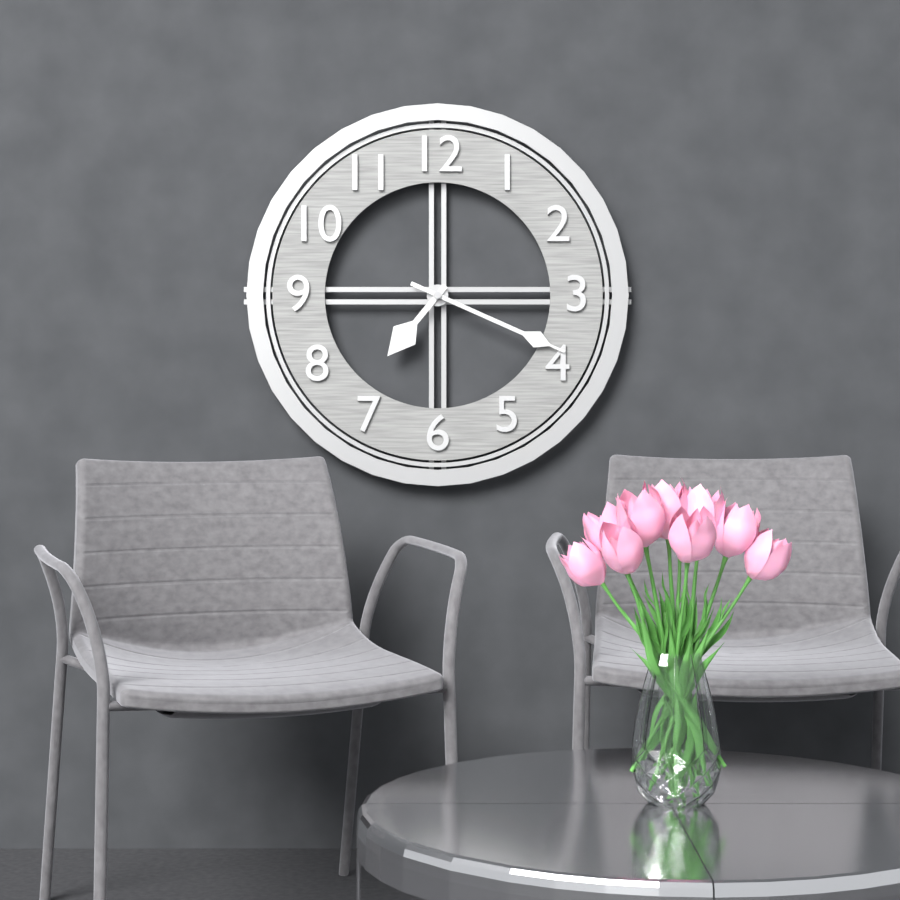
7:19
